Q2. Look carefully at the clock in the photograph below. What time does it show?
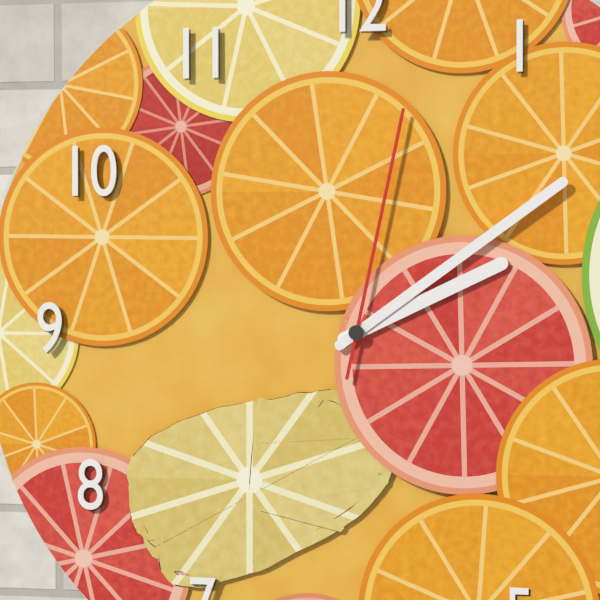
2:09:02
